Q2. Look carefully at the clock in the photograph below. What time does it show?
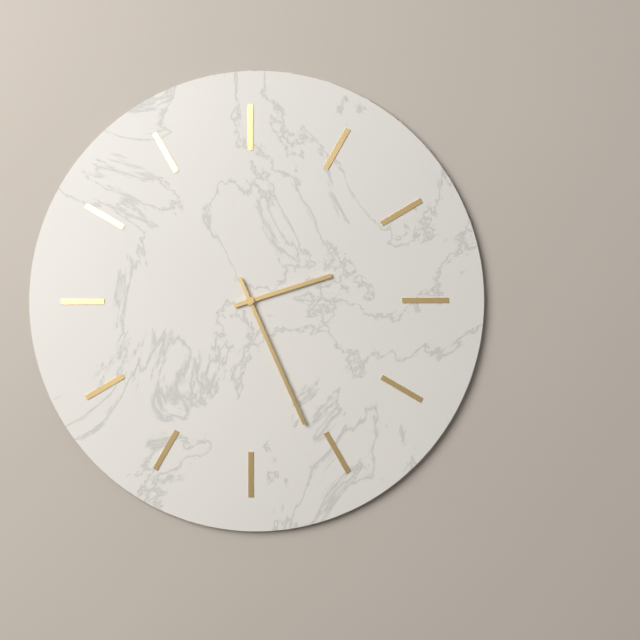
2:26
